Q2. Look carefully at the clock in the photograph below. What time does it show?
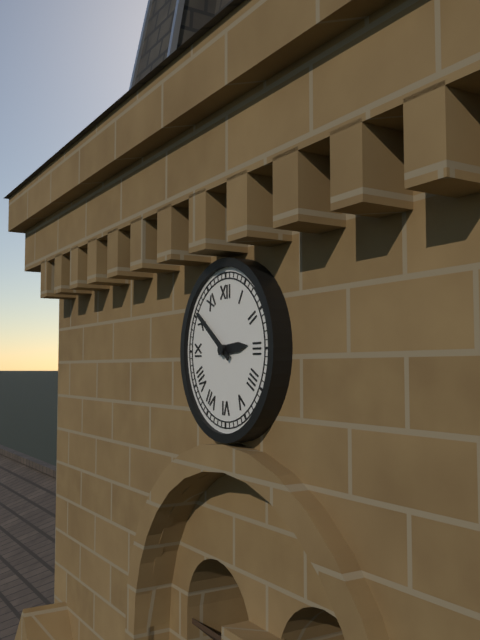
2:51
